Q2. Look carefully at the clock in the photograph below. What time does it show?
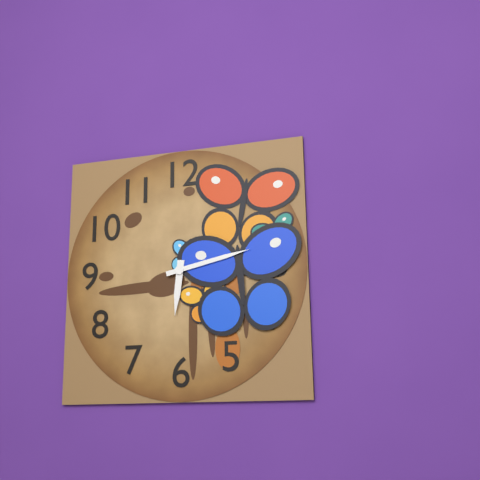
6:13
